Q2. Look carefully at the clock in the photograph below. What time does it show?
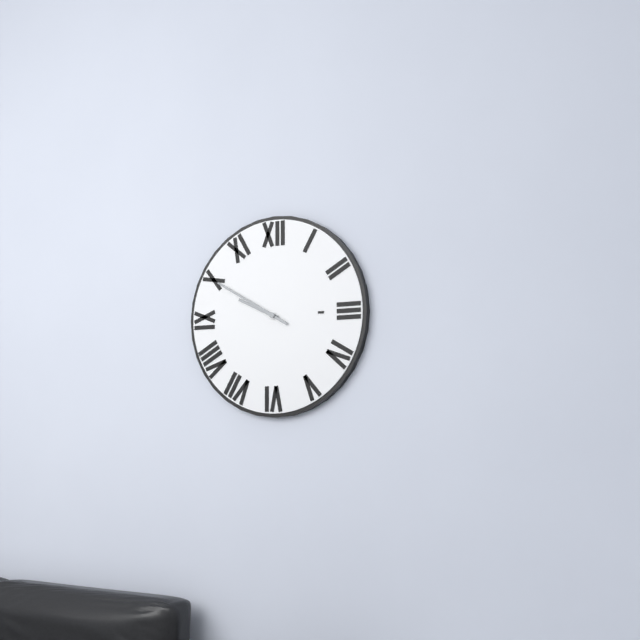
9:50
